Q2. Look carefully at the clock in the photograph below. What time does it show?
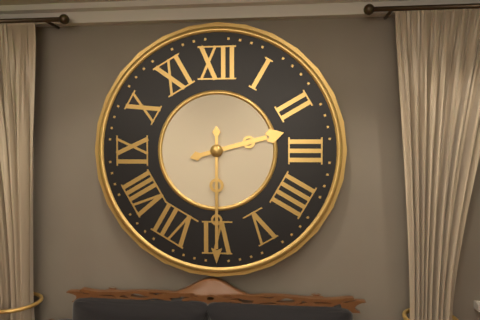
2:30
